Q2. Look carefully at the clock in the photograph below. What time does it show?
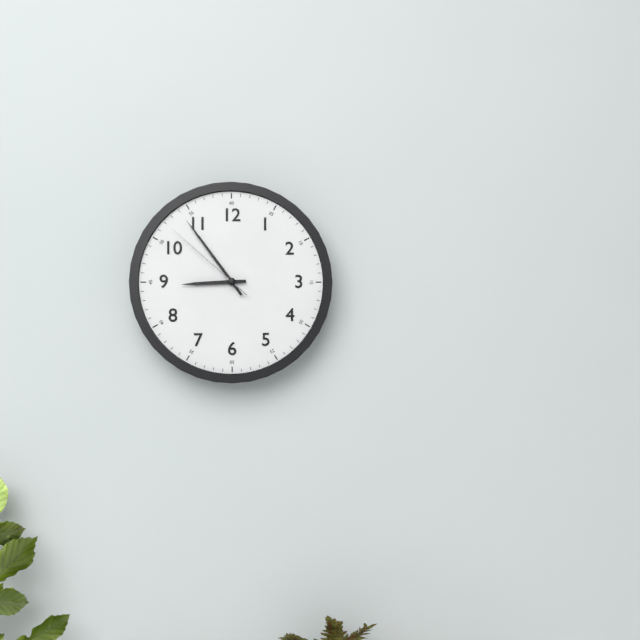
8:54:52
